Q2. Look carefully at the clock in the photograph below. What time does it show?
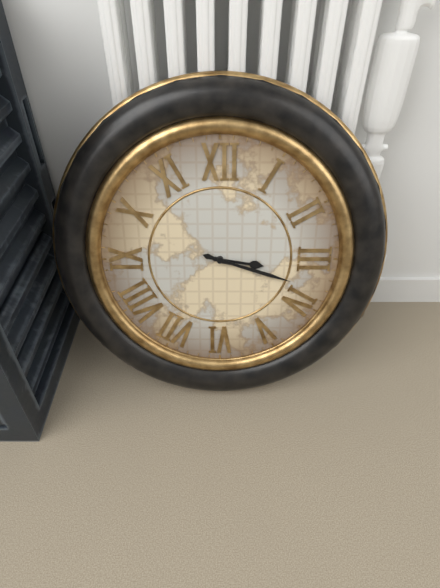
3:18
